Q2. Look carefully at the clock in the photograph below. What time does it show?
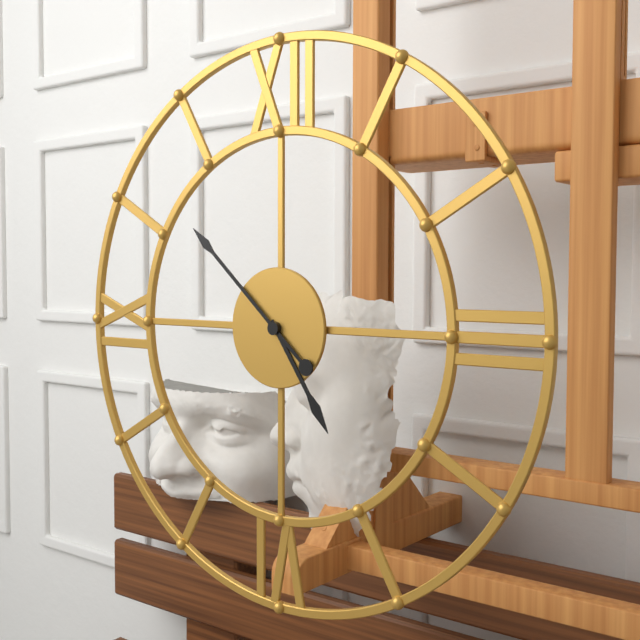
4:52
